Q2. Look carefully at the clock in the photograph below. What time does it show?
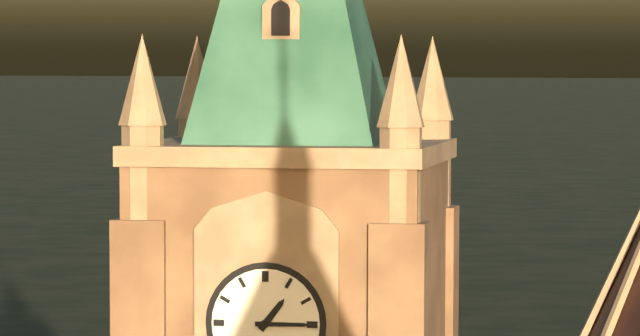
1:15
